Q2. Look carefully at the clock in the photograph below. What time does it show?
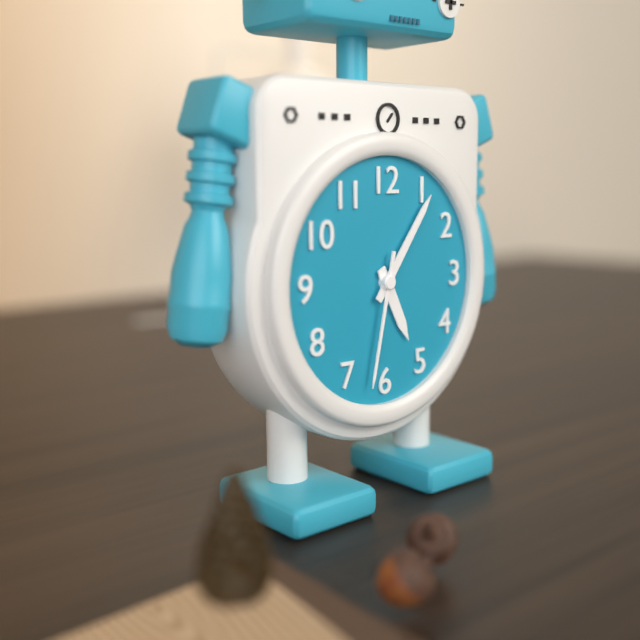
5:06:32
